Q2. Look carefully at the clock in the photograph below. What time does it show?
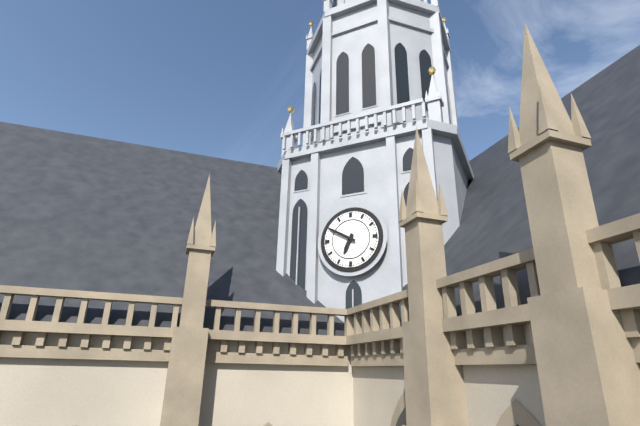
6:50
